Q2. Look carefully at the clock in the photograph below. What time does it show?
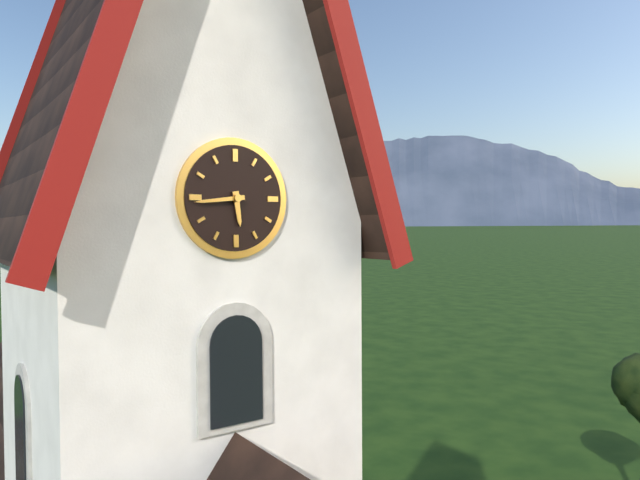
5:44
